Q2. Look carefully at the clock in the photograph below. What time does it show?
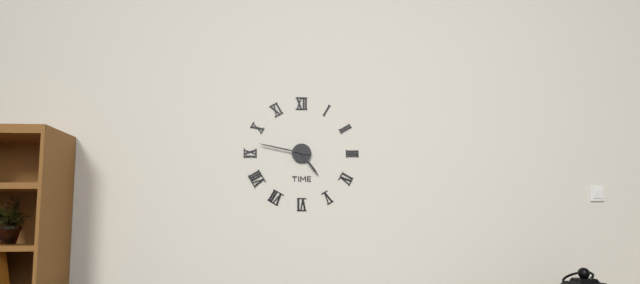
4:47
